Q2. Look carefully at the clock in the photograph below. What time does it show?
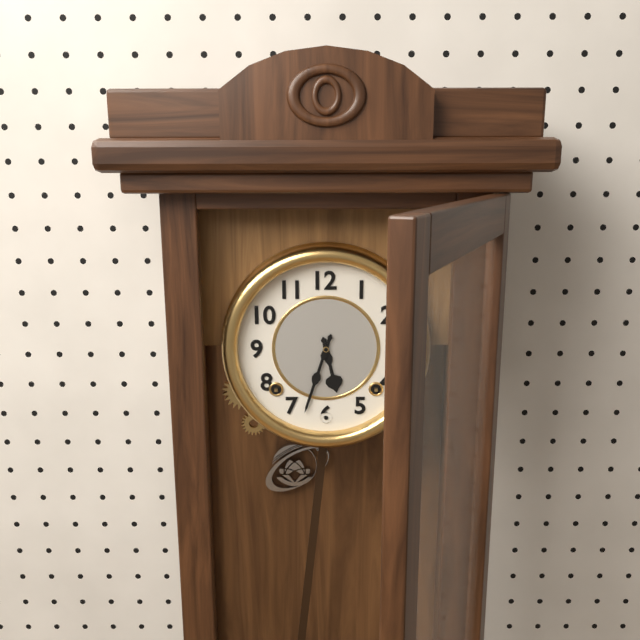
5:33
